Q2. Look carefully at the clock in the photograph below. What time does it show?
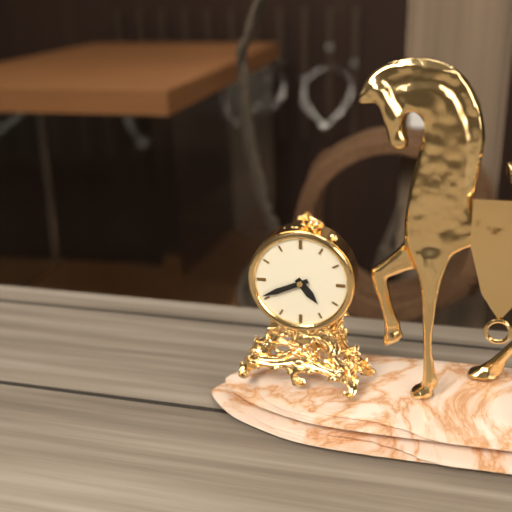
4:41
